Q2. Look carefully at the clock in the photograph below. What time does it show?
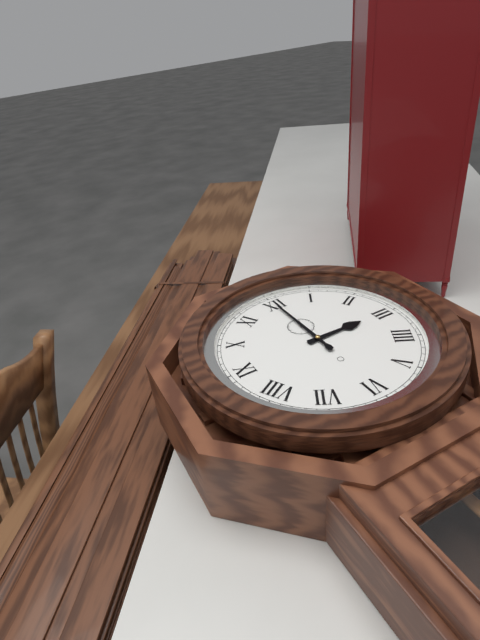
3:00
